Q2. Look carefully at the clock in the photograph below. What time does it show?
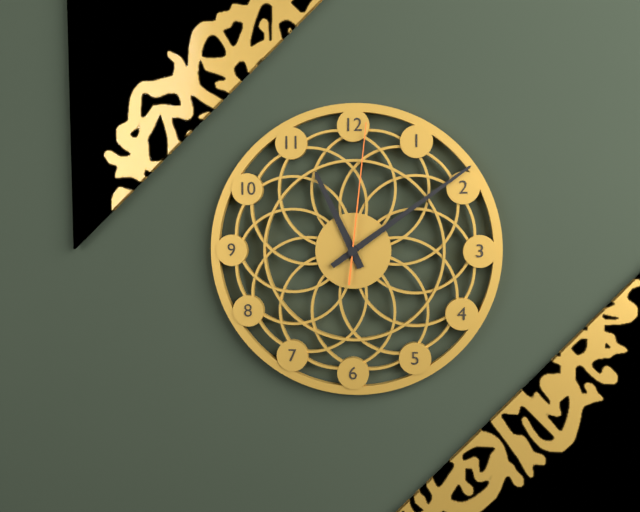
11:09:01
